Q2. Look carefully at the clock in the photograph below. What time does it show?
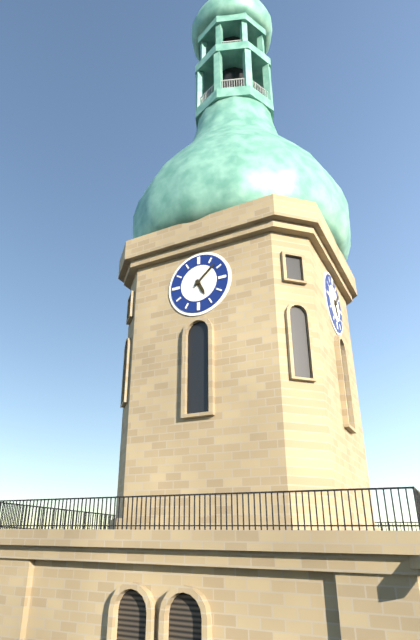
5:08
